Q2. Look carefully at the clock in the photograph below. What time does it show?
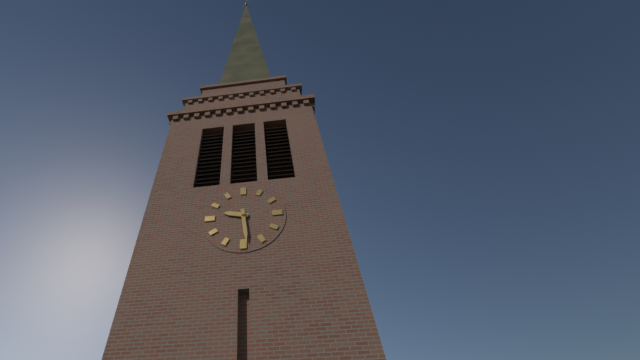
9:29
